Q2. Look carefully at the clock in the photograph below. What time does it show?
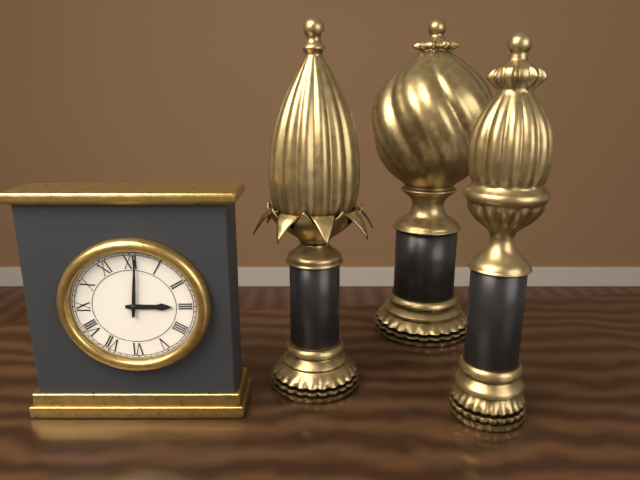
3:01
